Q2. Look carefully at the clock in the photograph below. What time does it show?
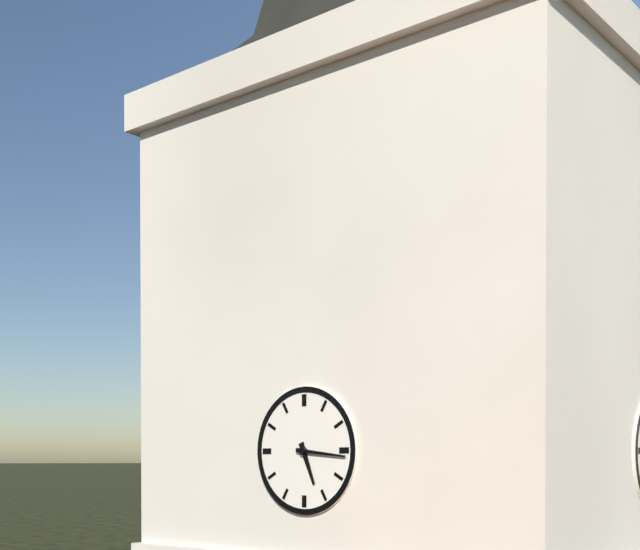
5:16
